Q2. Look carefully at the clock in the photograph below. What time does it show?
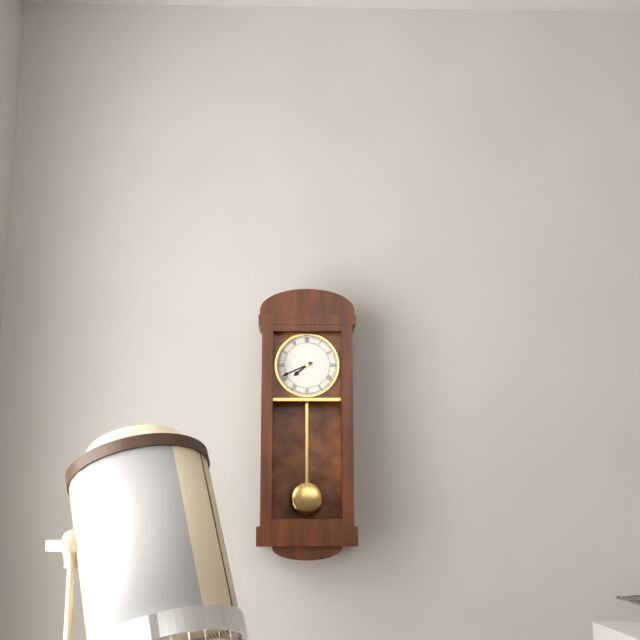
7:41
